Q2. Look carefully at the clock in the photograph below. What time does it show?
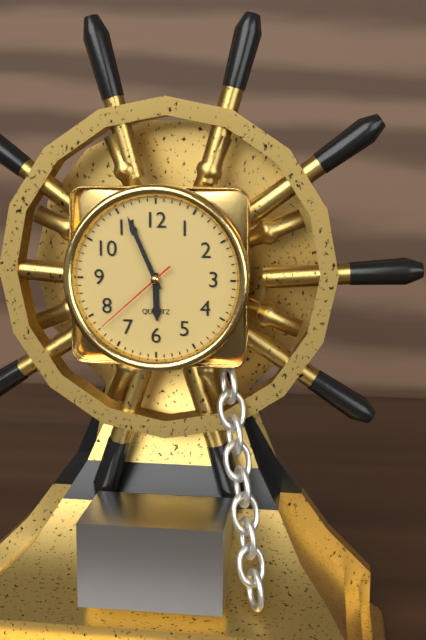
5:56:38
